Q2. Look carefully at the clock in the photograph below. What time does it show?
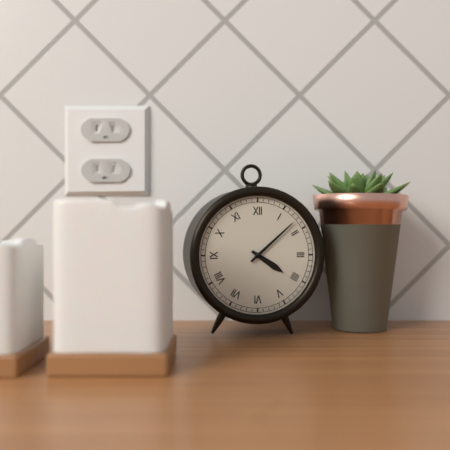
4:08
